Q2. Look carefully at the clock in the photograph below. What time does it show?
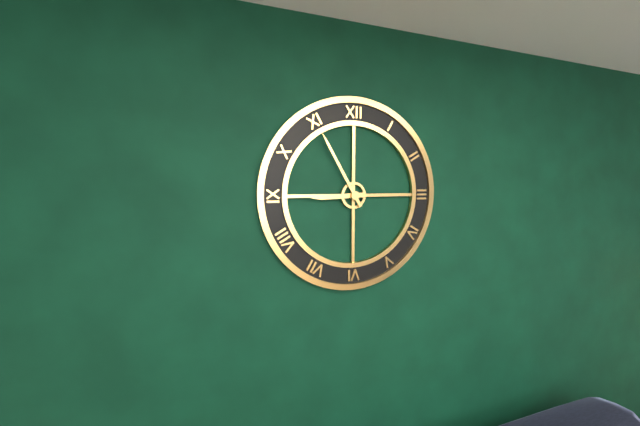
8:55
